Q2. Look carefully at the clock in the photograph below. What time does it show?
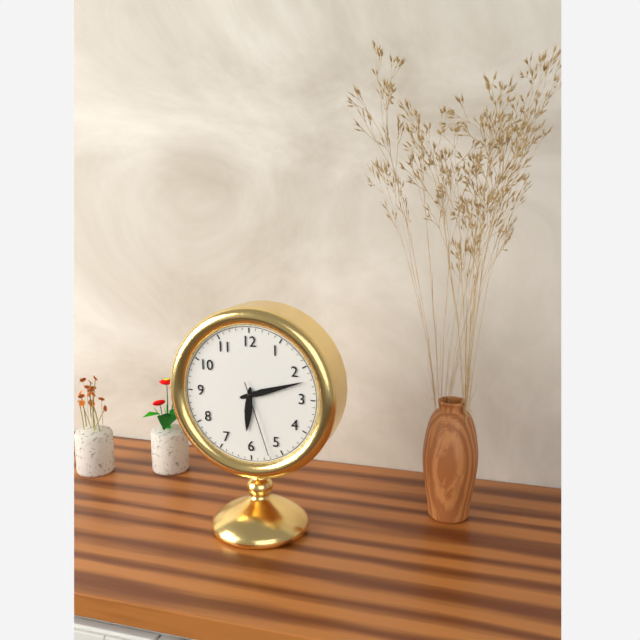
6:12:27
